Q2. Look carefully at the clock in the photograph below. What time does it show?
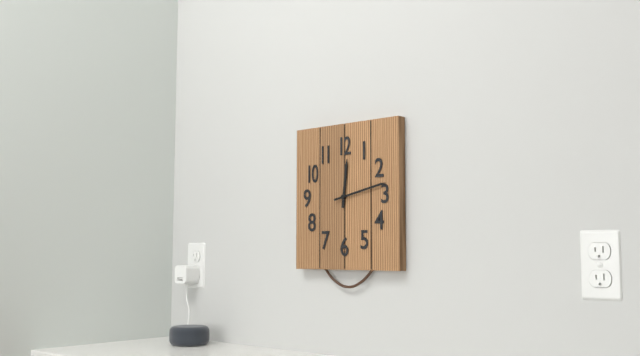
12:13
